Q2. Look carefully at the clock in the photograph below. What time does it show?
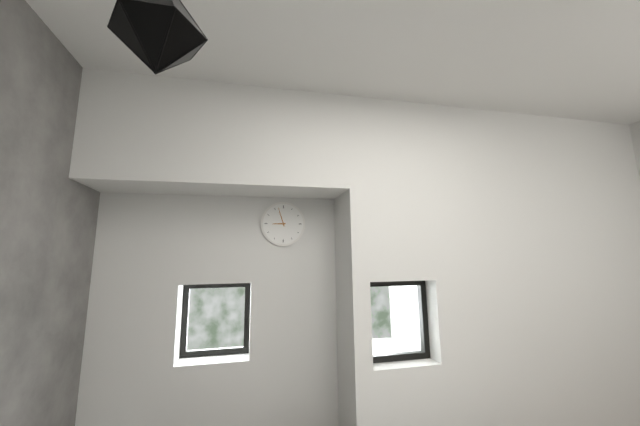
8:57
